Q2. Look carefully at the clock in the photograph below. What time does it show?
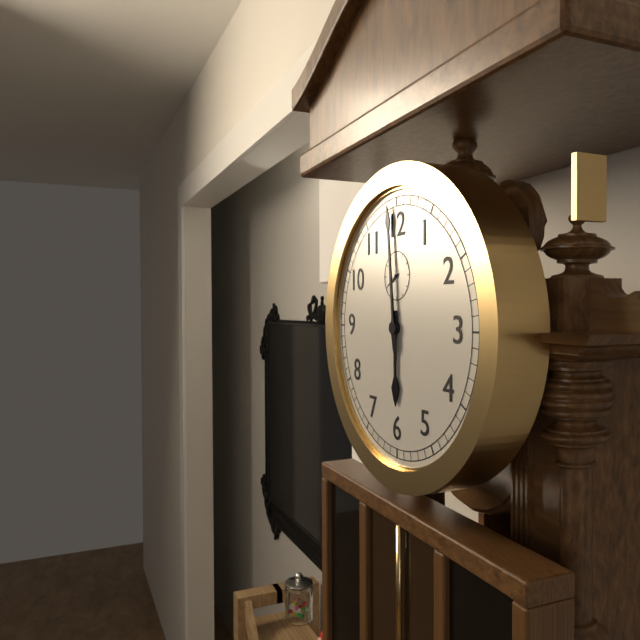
5:59
